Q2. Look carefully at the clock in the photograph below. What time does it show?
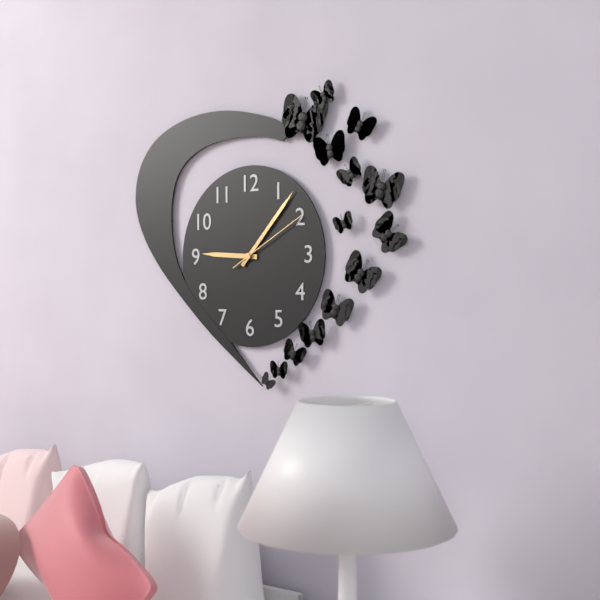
9:07:10
